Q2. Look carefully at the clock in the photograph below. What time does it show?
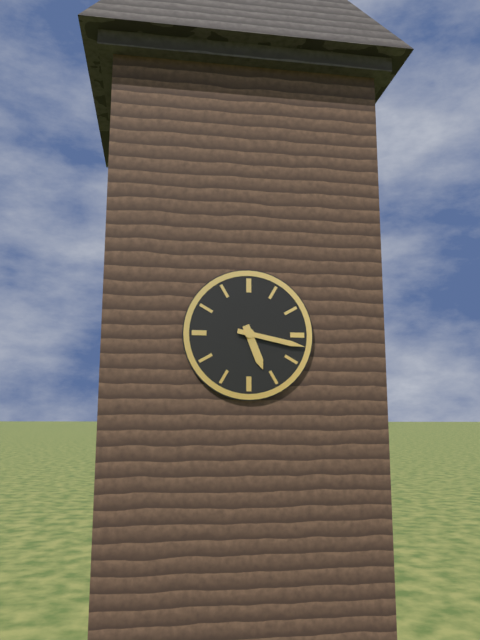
5:17
